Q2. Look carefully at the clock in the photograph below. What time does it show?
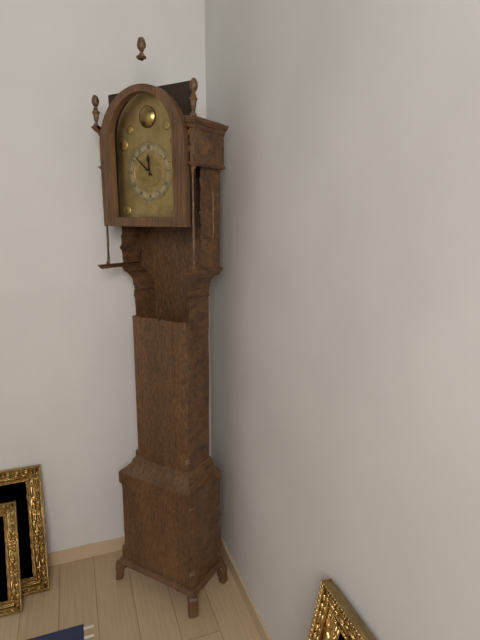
11:52
